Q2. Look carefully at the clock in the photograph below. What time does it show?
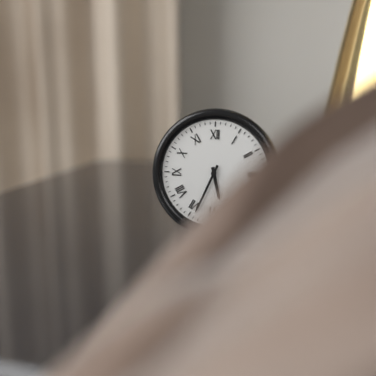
5:34
